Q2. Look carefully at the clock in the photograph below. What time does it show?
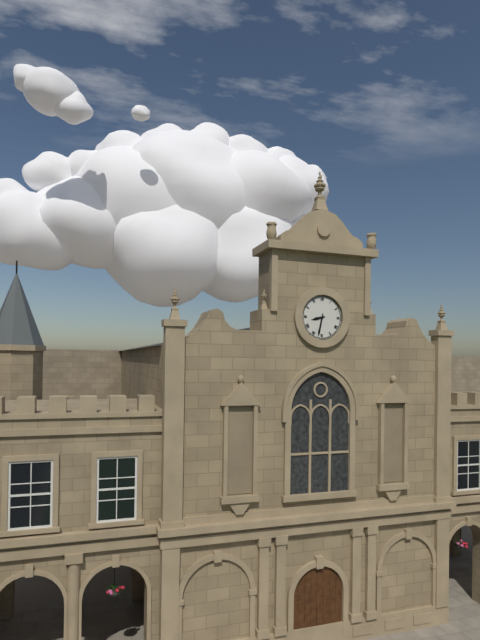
8:32
